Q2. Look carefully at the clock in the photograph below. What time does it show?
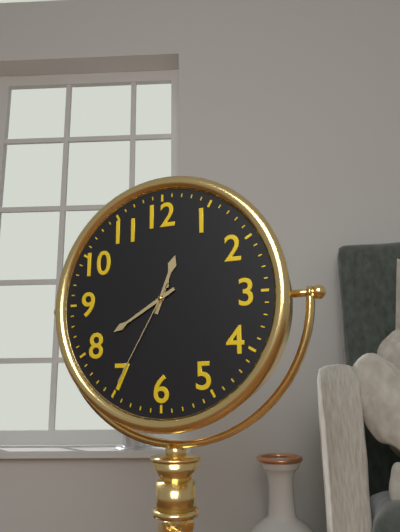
12:40:35
